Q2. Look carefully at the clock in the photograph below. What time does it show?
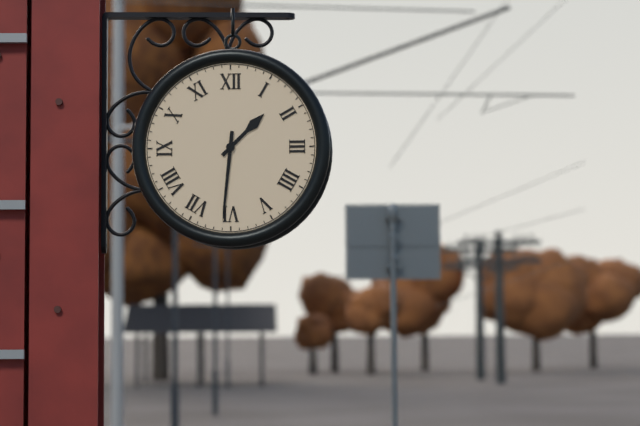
1:31
